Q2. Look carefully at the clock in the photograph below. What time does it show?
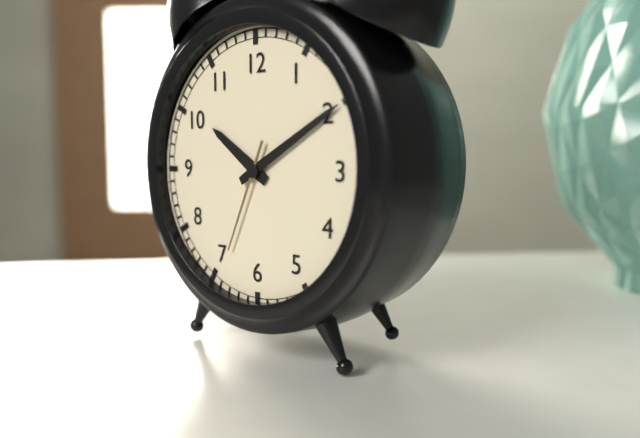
10:10:34
